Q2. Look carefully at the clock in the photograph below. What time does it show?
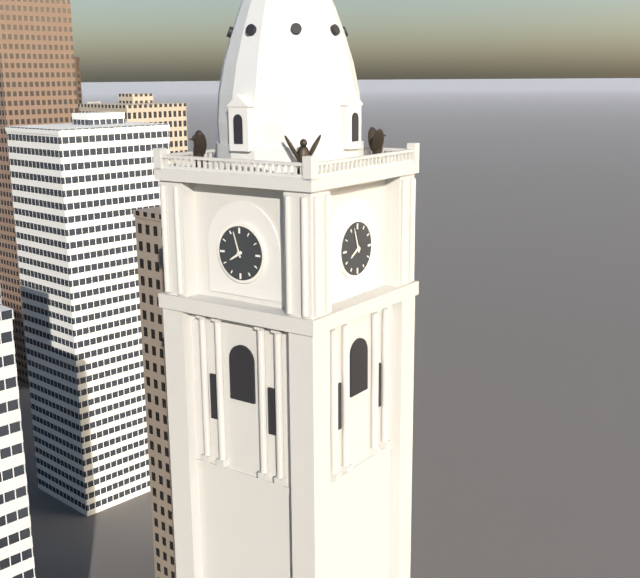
7:57
